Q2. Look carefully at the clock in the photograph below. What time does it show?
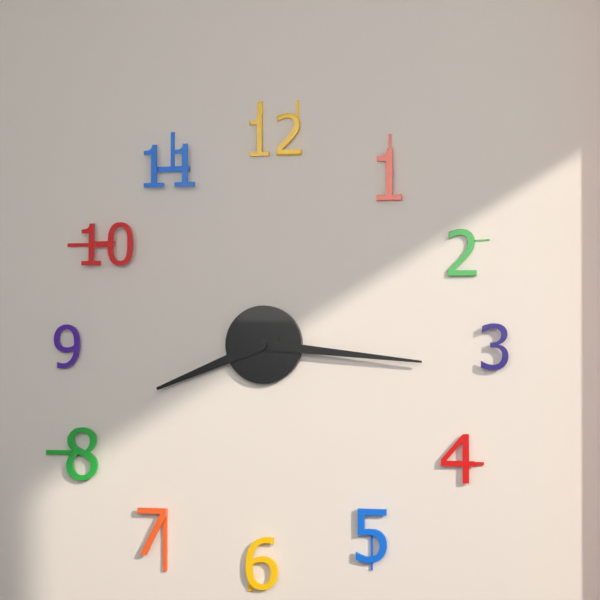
8:16
